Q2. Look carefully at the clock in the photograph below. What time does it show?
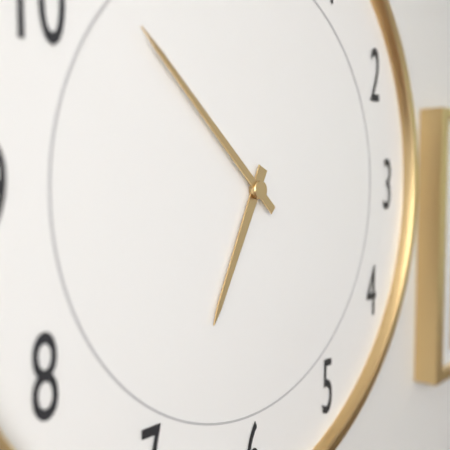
6:52
